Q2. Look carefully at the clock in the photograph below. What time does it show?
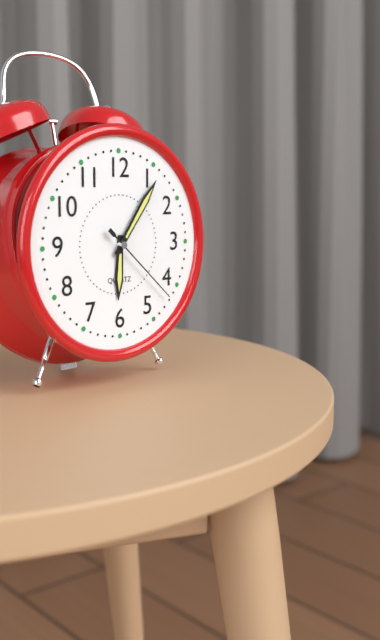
6:06:22
